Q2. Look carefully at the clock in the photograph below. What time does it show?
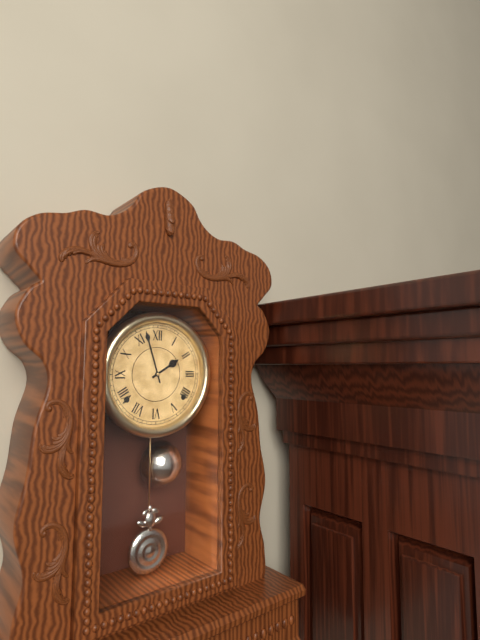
1:57
